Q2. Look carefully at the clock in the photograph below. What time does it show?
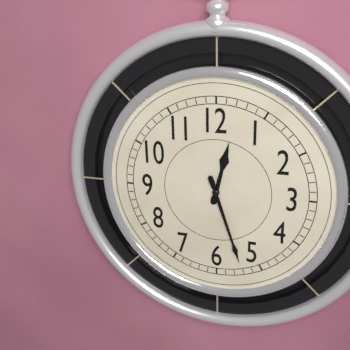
12:27
